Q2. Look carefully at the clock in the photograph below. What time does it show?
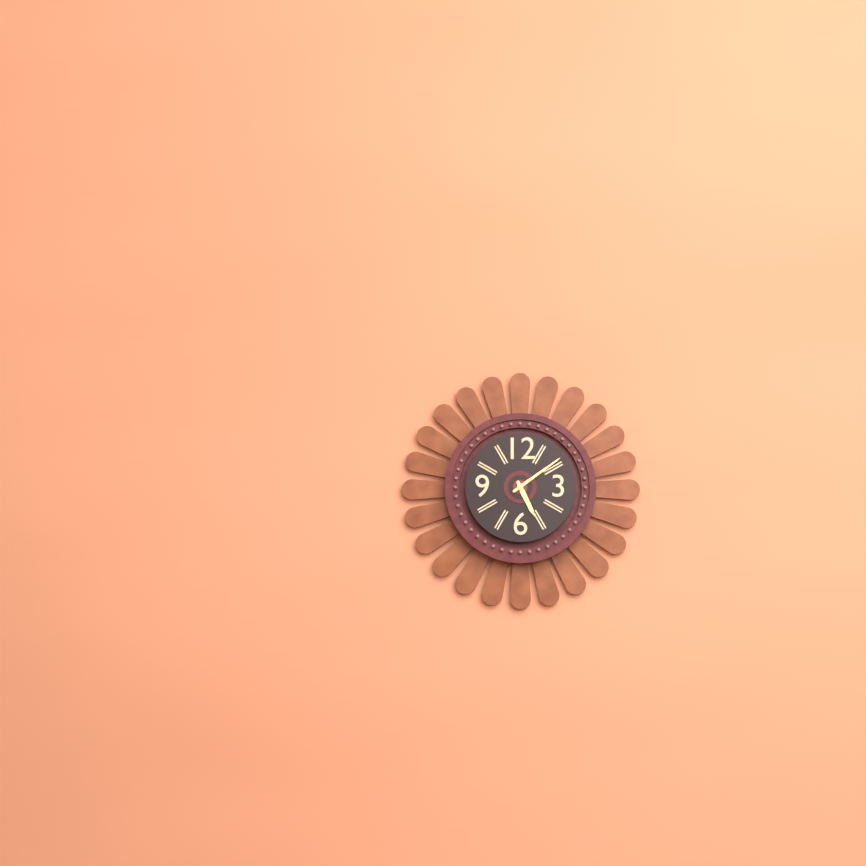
5:09
